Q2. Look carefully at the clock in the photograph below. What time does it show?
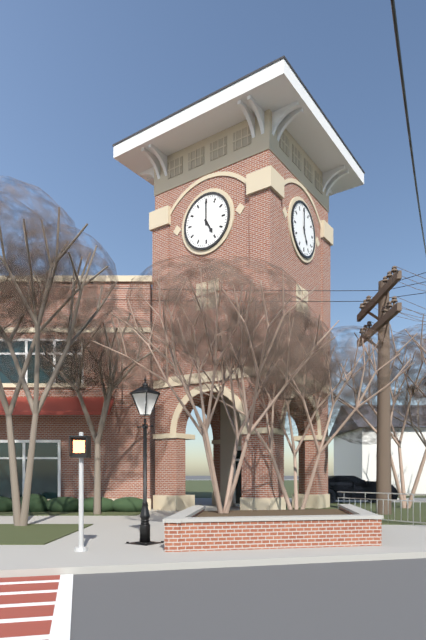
5:00
